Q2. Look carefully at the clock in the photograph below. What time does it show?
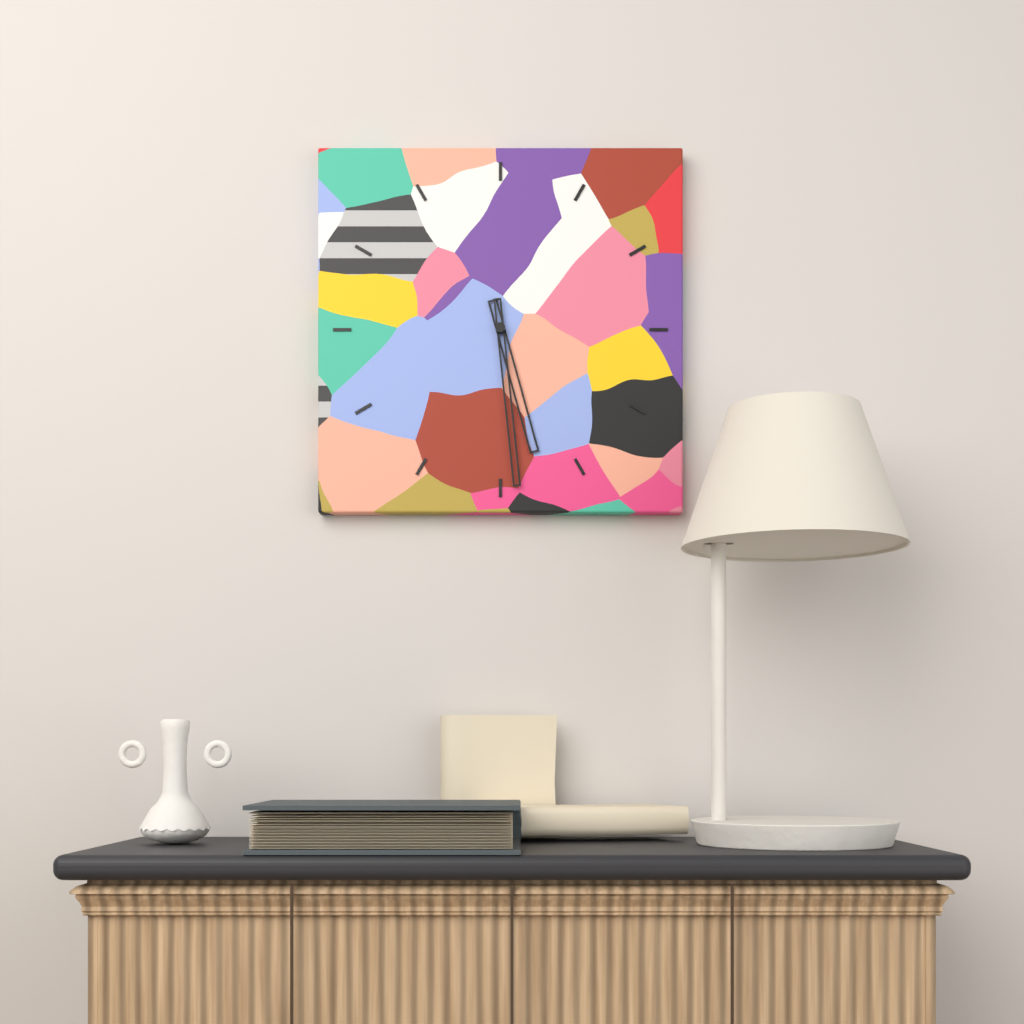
5:29
